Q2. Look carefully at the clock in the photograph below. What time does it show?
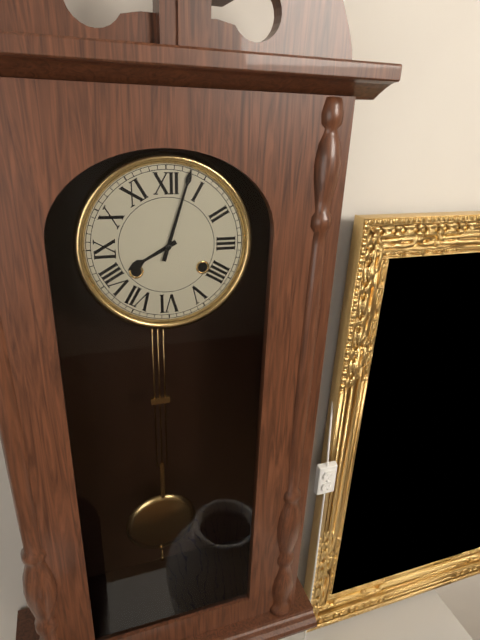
8:03
